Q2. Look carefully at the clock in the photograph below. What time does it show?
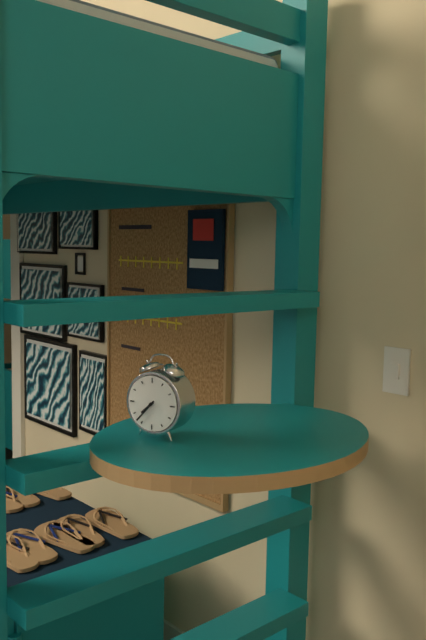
7:37
